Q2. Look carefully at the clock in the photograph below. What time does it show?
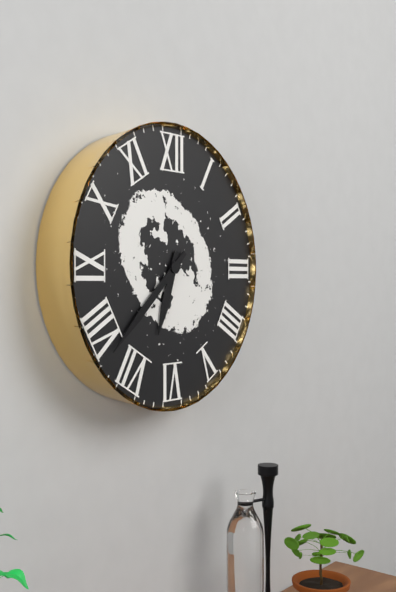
6:38
